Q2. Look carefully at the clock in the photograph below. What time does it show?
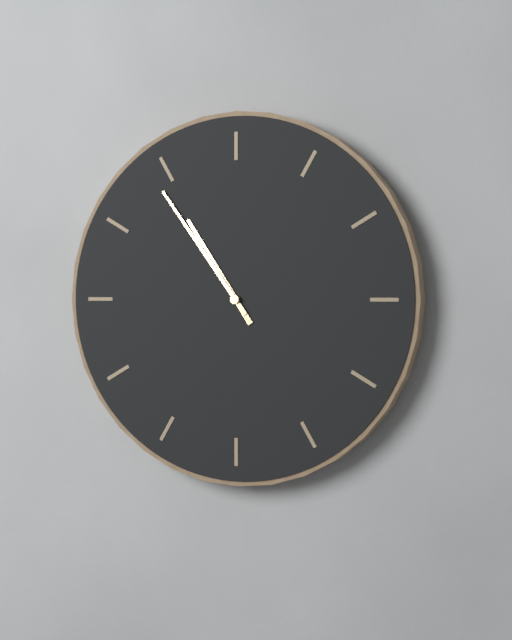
10:54
